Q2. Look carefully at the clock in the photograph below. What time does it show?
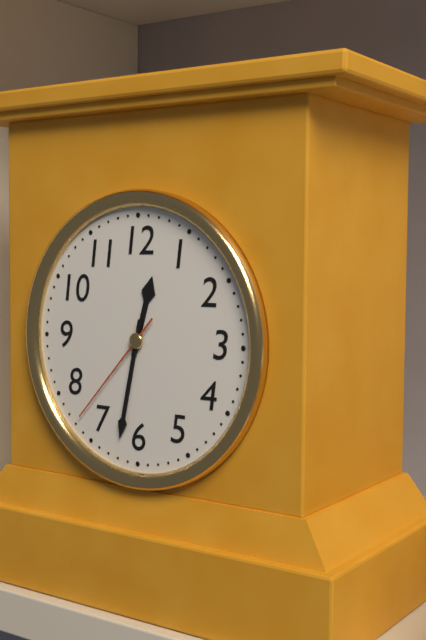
12:32:37
